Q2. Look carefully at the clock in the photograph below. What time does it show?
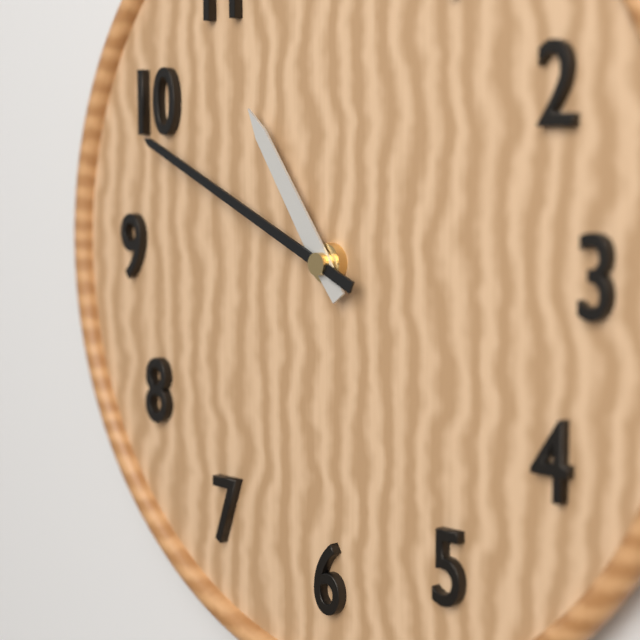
10:49
